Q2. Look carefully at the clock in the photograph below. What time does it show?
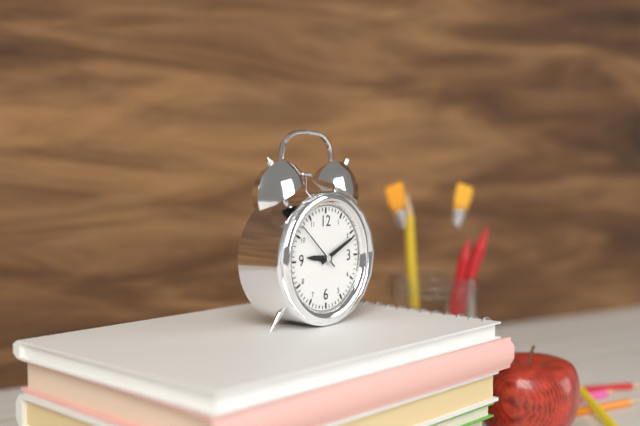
9:11:52
